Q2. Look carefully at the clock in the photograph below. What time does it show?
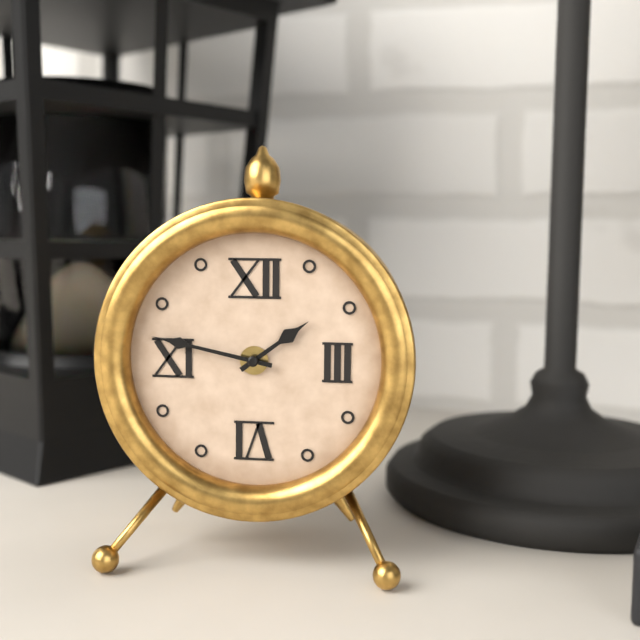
1:47
